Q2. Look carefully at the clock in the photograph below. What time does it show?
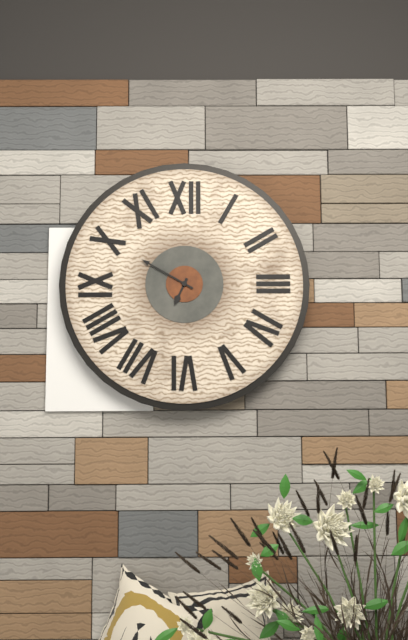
6:50
